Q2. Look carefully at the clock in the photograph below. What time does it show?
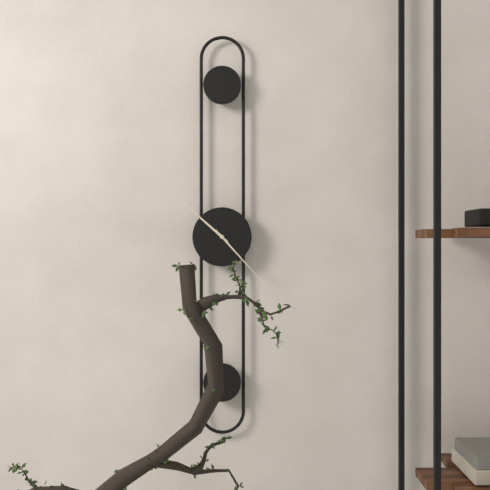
10:23
